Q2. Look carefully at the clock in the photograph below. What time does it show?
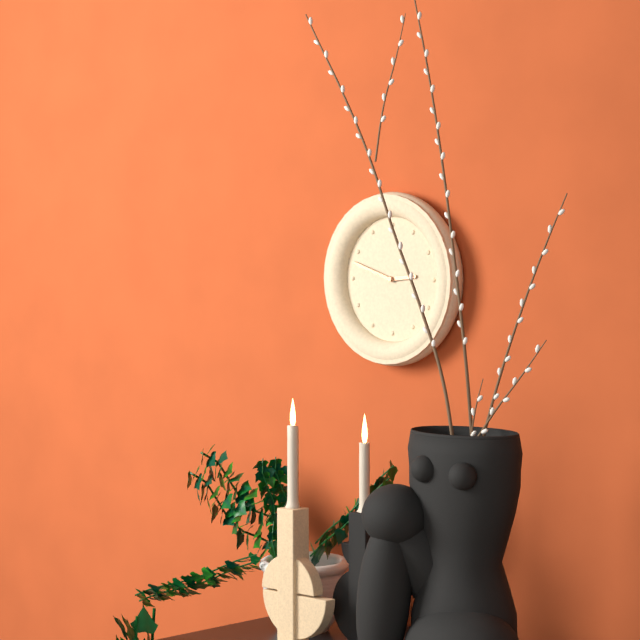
2:48
